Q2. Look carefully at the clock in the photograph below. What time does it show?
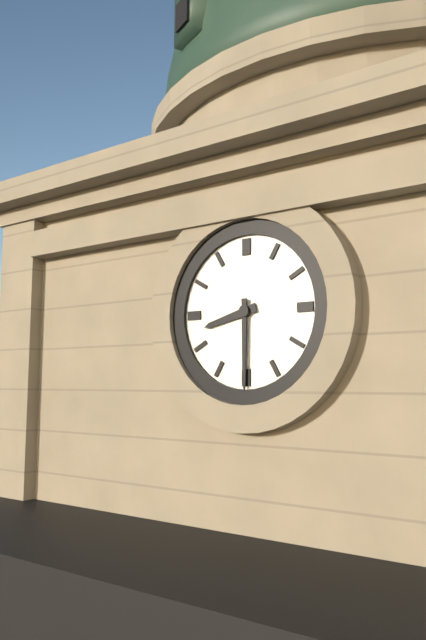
8:30
